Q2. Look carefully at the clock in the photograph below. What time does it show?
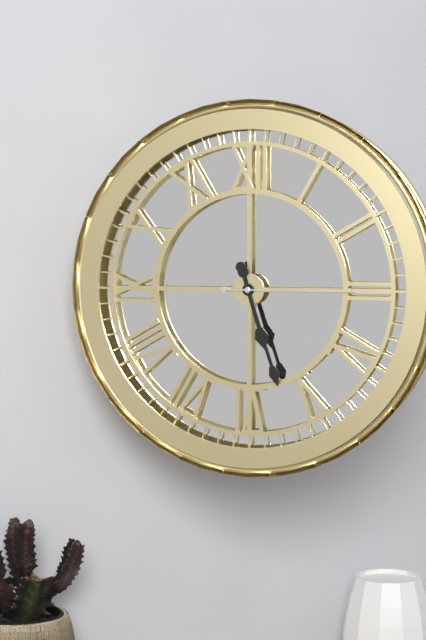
5:27:15
